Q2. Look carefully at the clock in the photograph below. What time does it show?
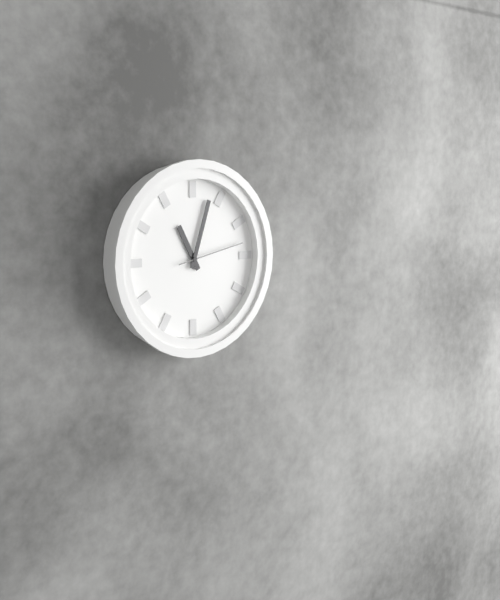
11:03:13
